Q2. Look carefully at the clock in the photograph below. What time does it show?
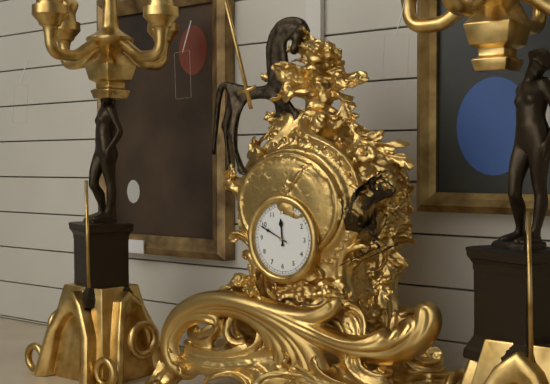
11:49
